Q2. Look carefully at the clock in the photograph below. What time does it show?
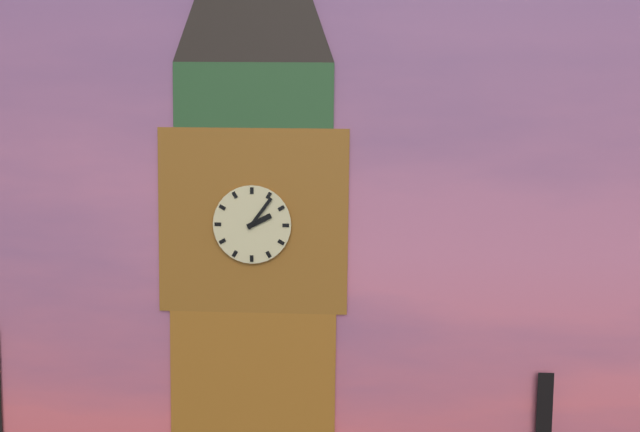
2:06
